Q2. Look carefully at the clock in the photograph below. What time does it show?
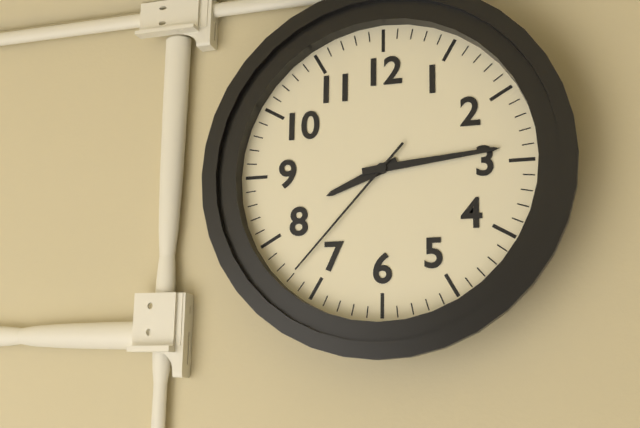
8:14:37
